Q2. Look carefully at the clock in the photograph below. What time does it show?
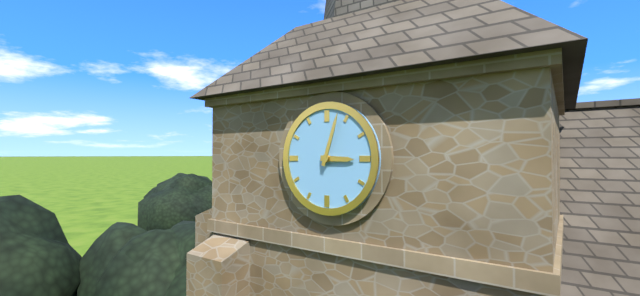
3:03
